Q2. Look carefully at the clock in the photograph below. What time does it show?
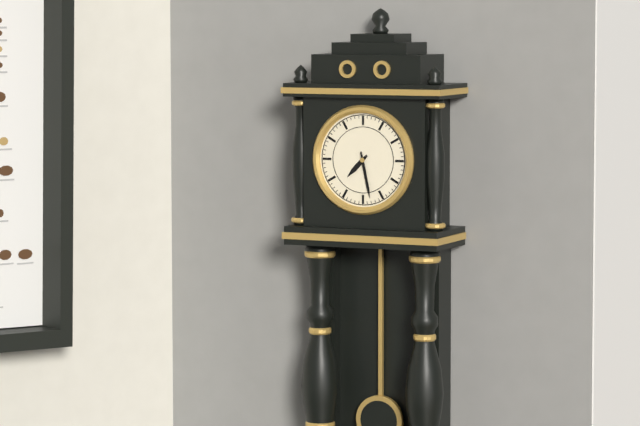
7:28
